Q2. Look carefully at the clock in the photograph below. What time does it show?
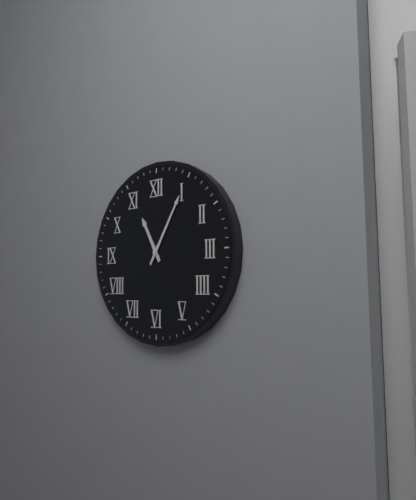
11:05
